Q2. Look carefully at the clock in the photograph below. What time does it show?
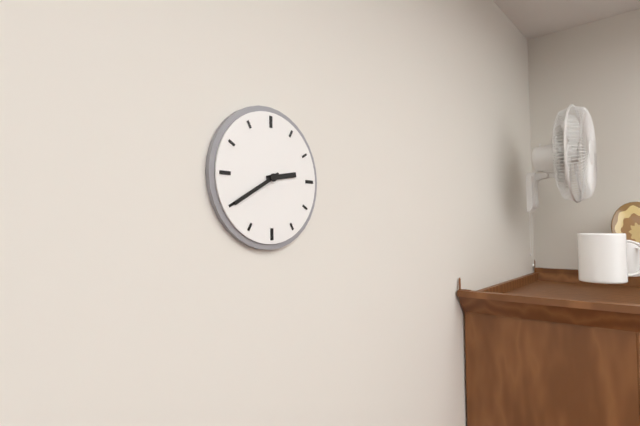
2:40
